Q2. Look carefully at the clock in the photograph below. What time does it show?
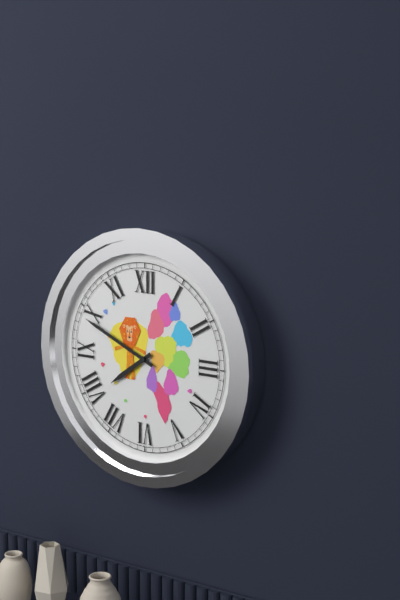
7:49
